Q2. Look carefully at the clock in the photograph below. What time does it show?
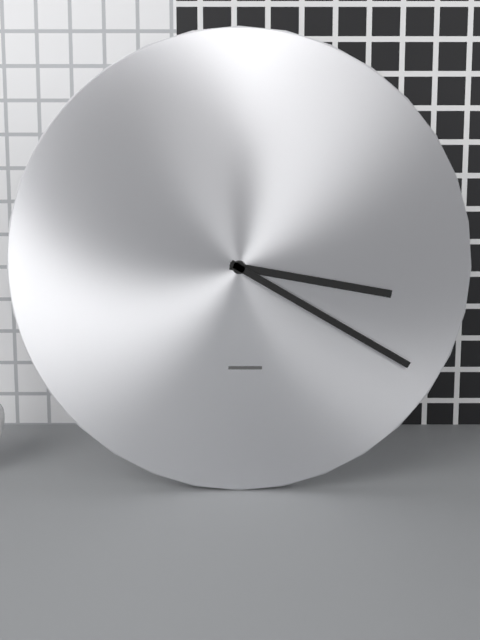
3:20
